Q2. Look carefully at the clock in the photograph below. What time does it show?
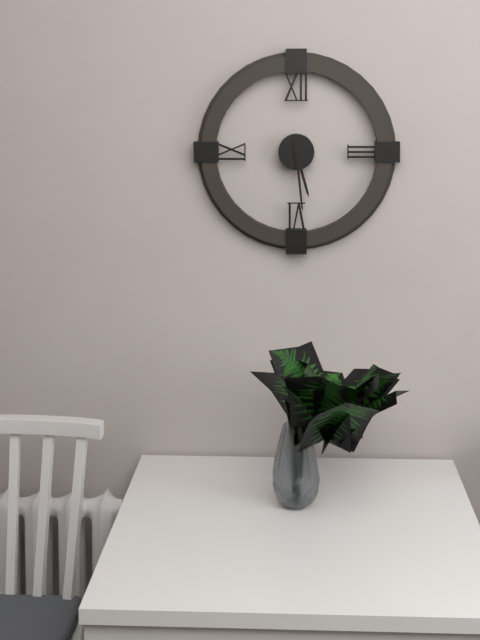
5:29
